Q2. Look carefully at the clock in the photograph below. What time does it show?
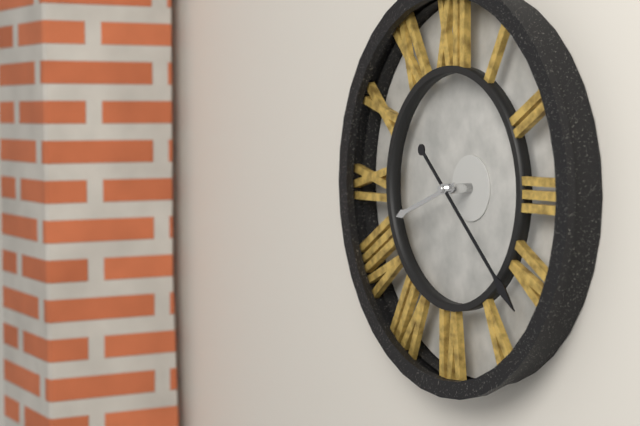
8:22
